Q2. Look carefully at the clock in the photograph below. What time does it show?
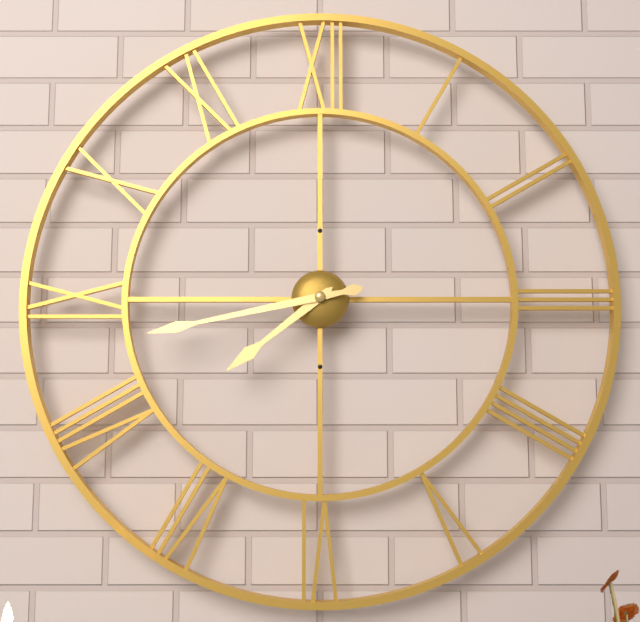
7:43
